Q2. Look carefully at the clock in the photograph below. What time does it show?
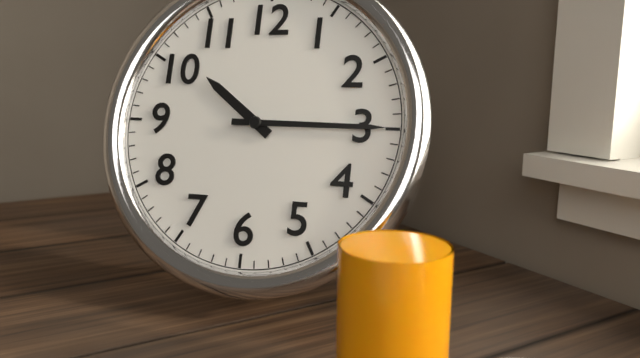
10:15
